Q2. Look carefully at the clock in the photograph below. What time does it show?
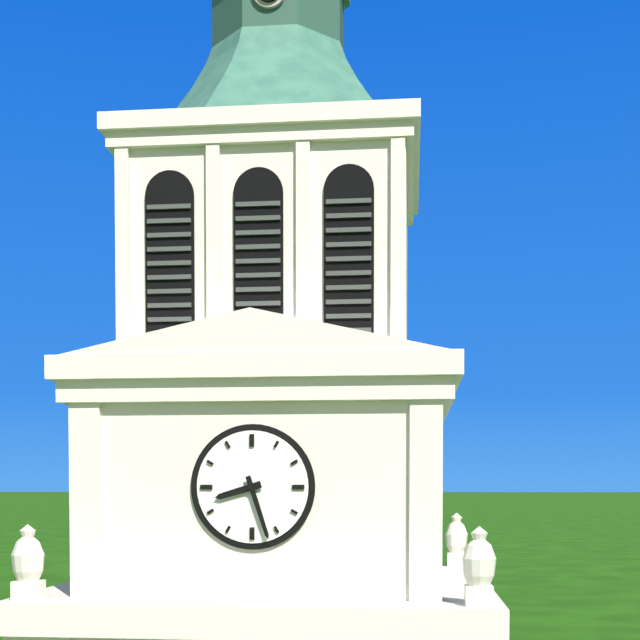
8:27
